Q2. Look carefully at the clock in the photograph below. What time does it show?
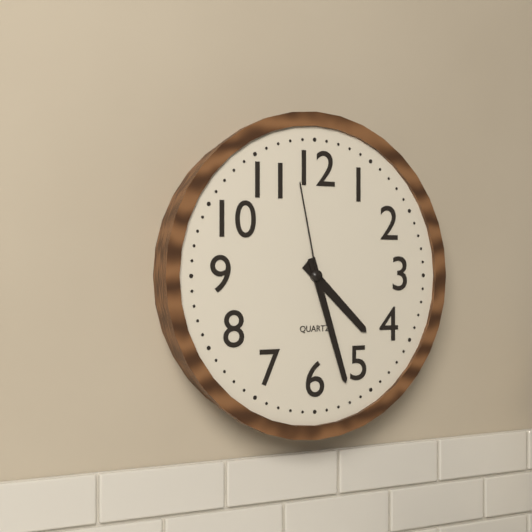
4:27:58
